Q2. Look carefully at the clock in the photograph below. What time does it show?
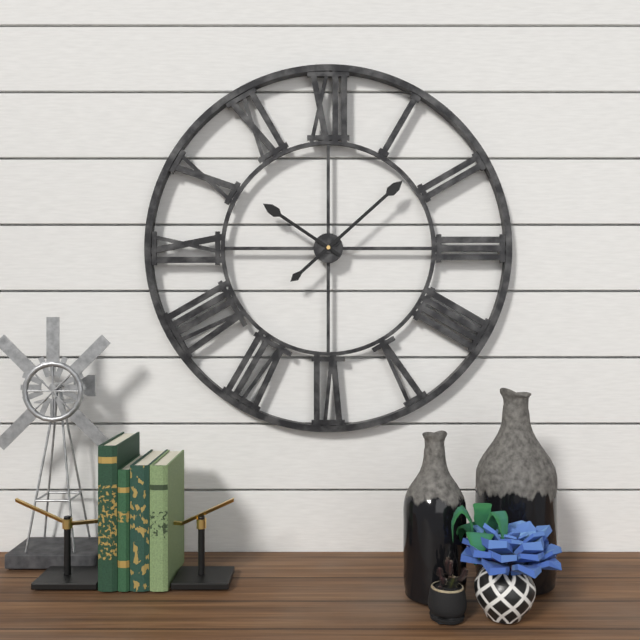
10:08
